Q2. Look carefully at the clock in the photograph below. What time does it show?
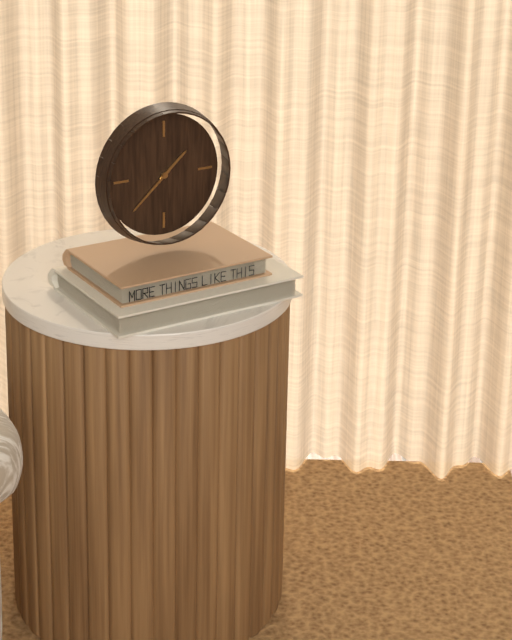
1:38
